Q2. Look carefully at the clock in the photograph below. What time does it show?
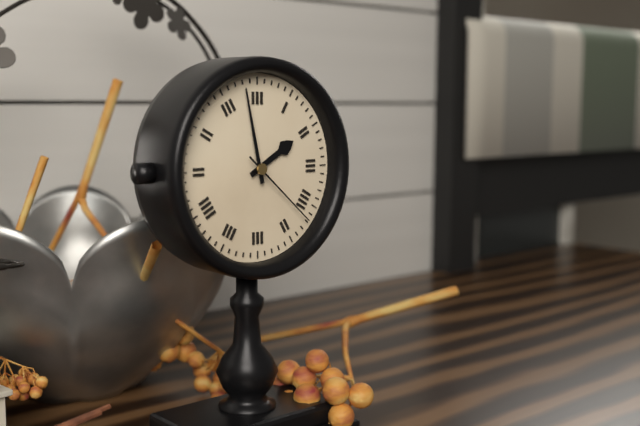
1:58:22
